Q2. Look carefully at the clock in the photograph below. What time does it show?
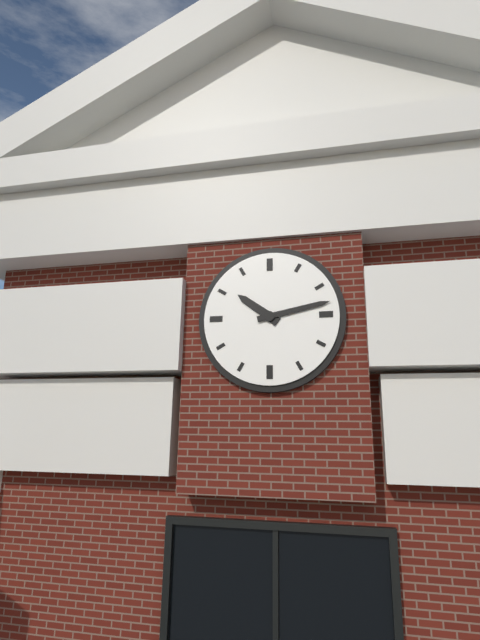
10:13
